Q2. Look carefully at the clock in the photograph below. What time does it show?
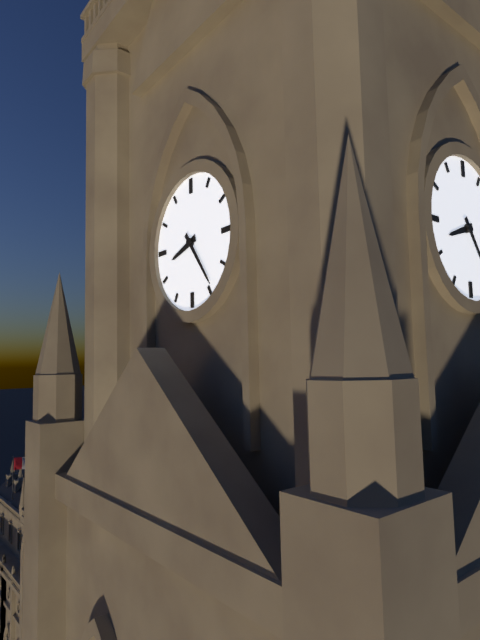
8:24
